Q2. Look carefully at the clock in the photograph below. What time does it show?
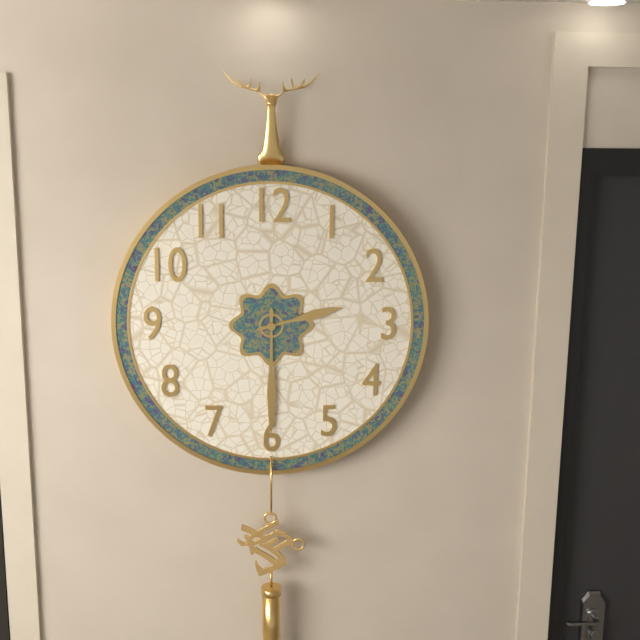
2:30
